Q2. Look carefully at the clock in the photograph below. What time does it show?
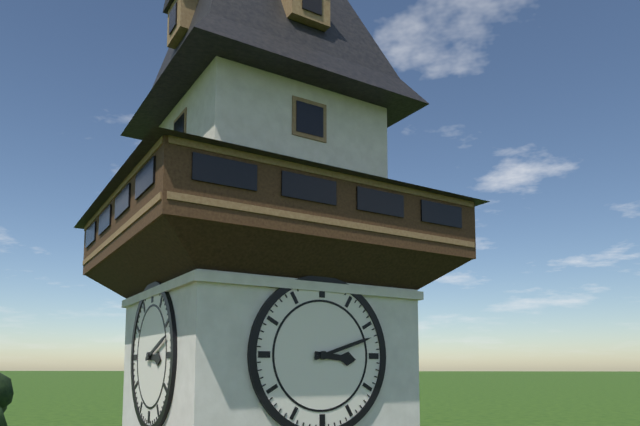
3:12
